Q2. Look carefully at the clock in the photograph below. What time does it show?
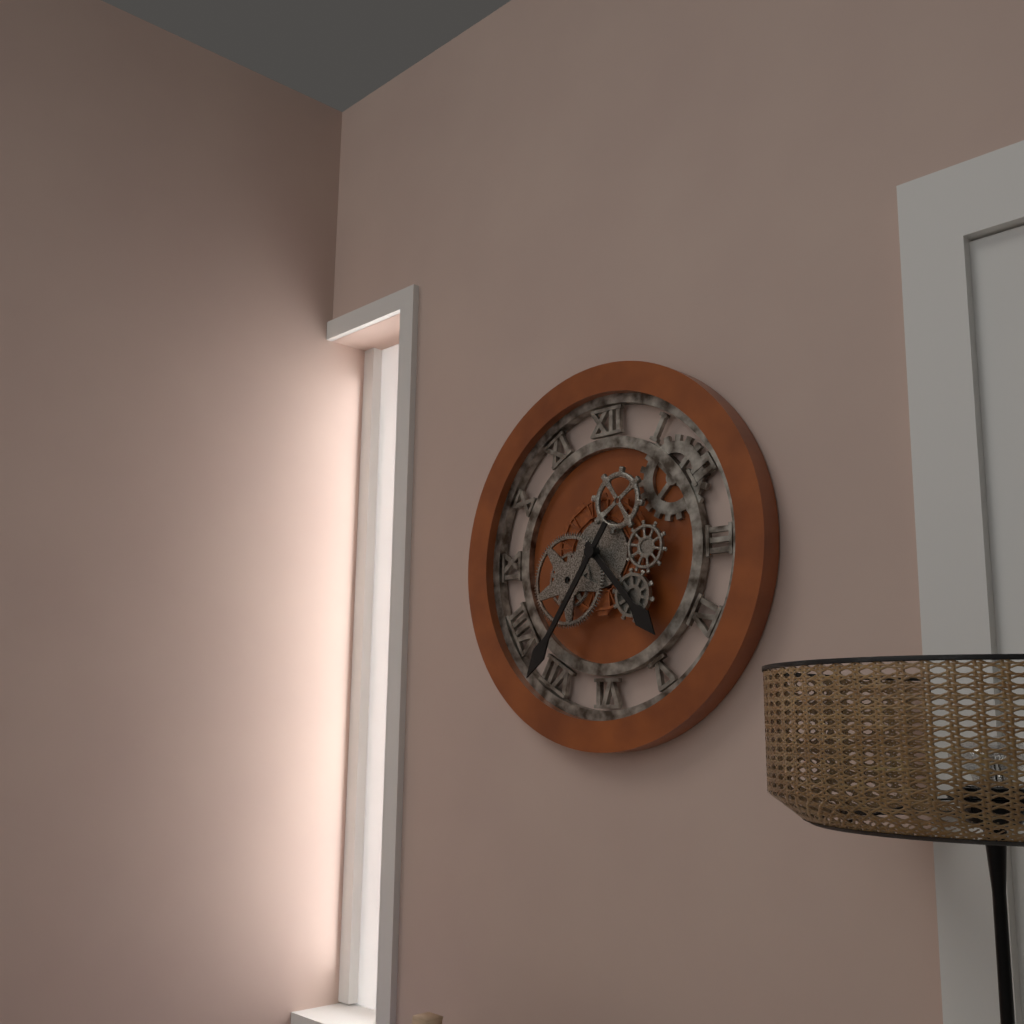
4:36
